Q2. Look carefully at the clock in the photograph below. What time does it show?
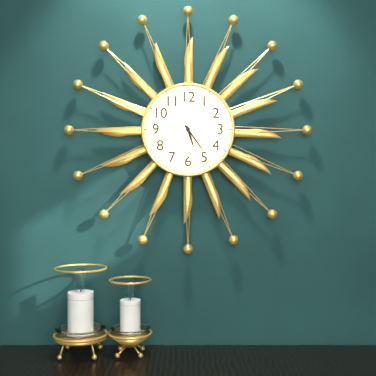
5:24
